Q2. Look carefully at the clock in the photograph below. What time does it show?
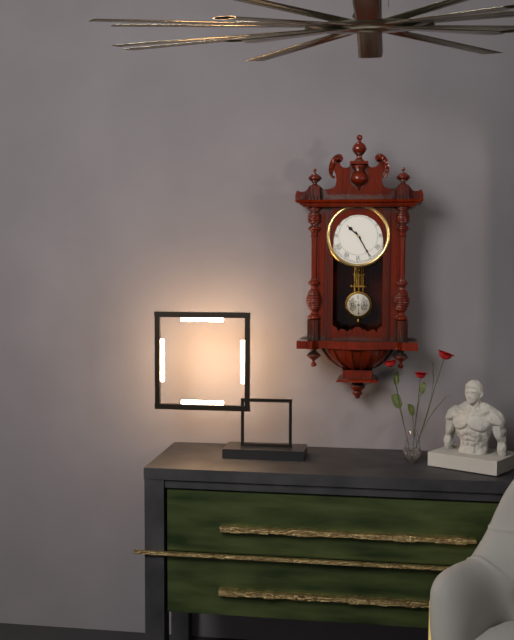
10:25
